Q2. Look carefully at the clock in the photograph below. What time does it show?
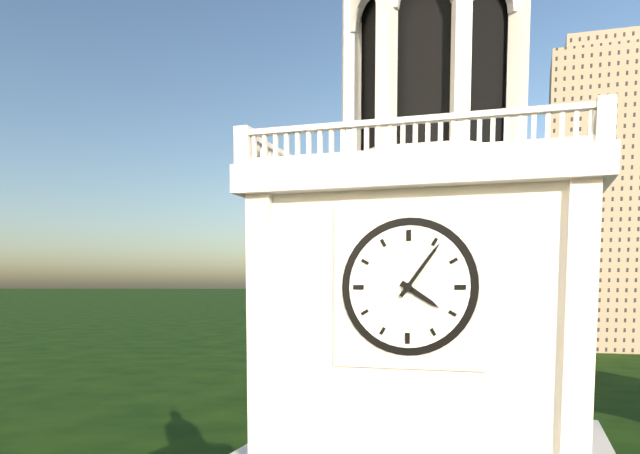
4:06
